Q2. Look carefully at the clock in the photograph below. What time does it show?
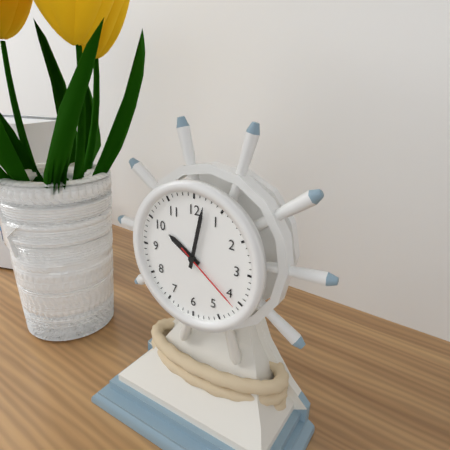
10:02:21
